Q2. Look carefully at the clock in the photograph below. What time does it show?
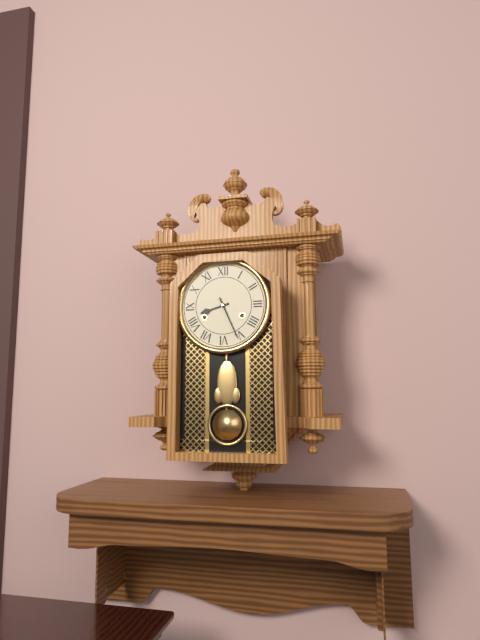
8:26
